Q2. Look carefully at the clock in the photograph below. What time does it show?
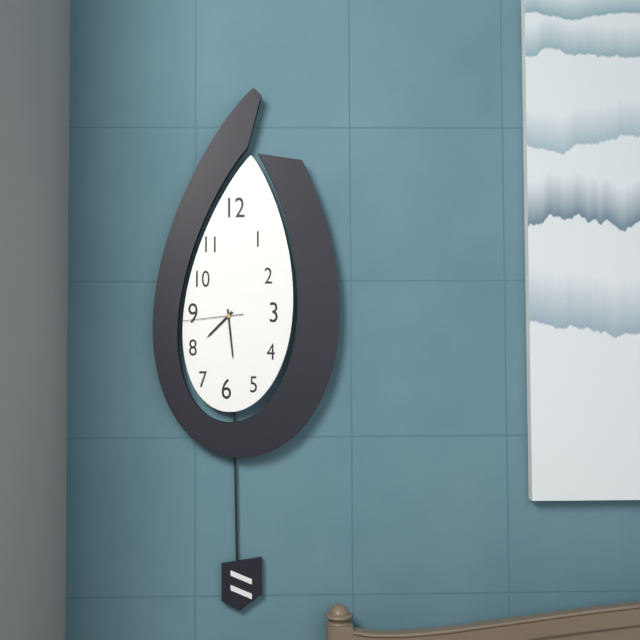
7:29:44
